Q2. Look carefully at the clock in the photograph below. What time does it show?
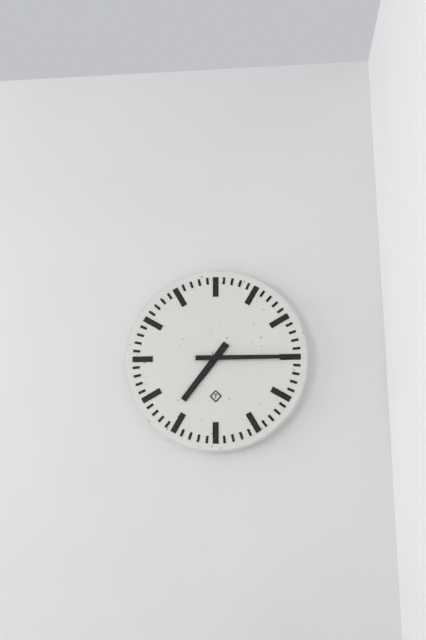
7:15
